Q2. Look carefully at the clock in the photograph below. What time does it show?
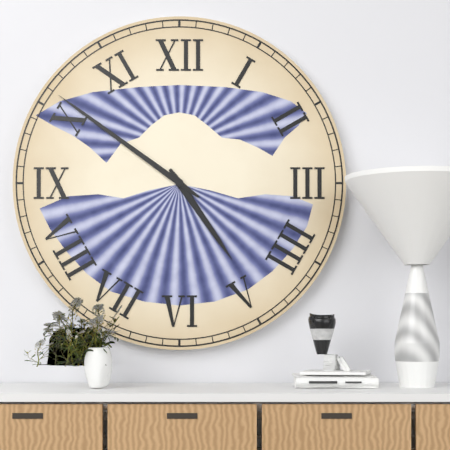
4:51
